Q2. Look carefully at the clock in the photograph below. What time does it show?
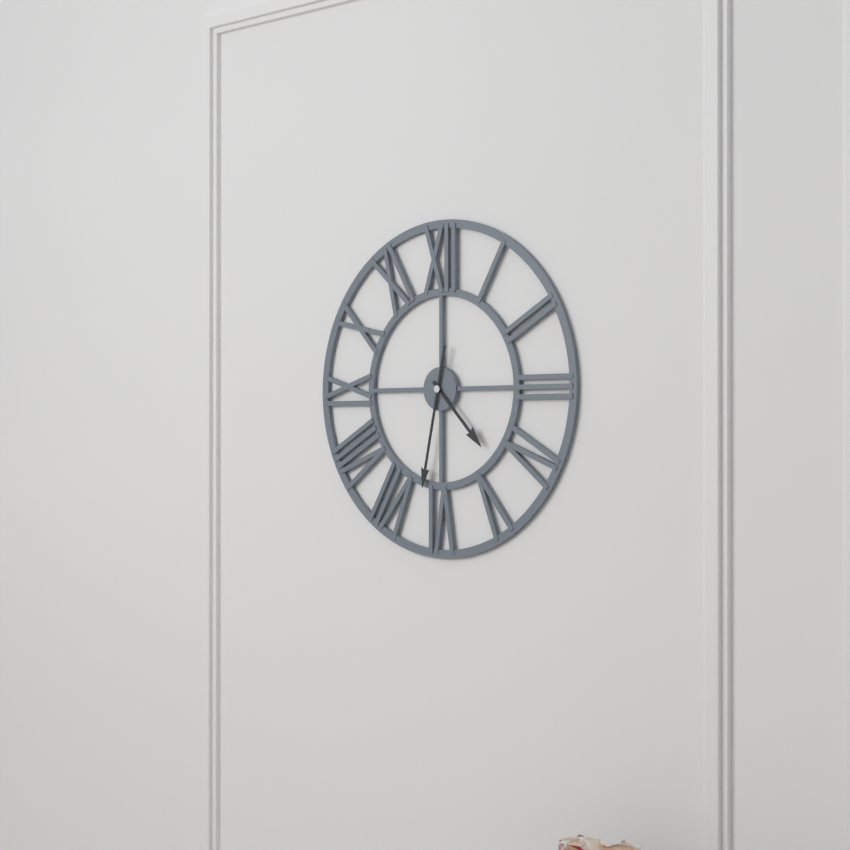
4:32
